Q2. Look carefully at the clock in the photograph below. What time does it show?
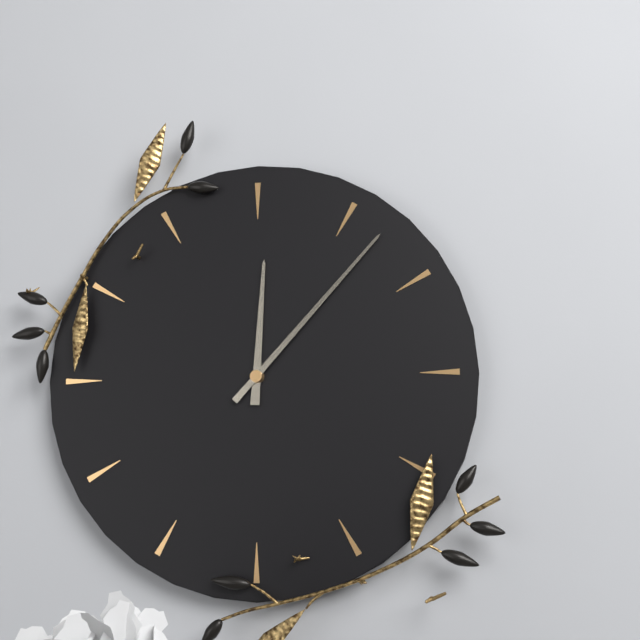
12:07
